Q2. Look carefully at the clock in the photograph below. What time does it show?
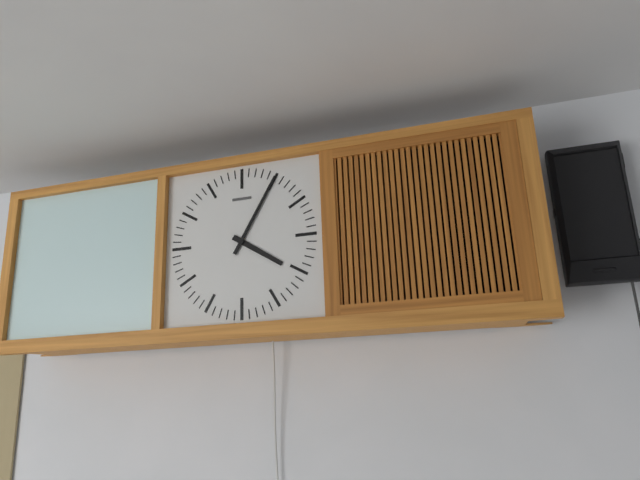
4:05
